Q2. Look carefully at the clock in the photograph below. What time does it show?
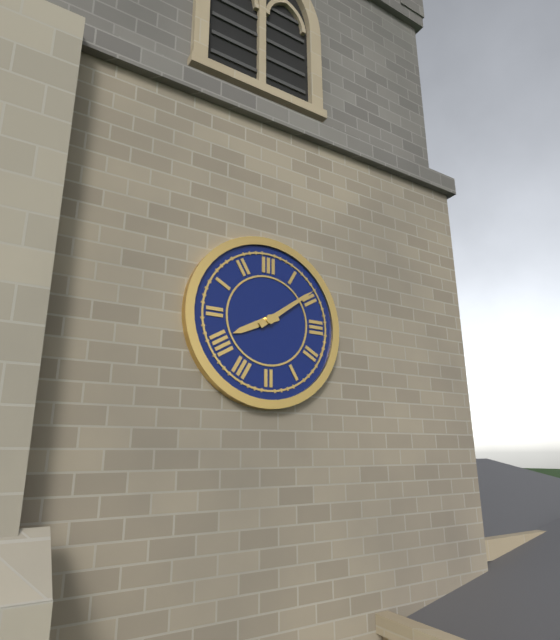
8:09
